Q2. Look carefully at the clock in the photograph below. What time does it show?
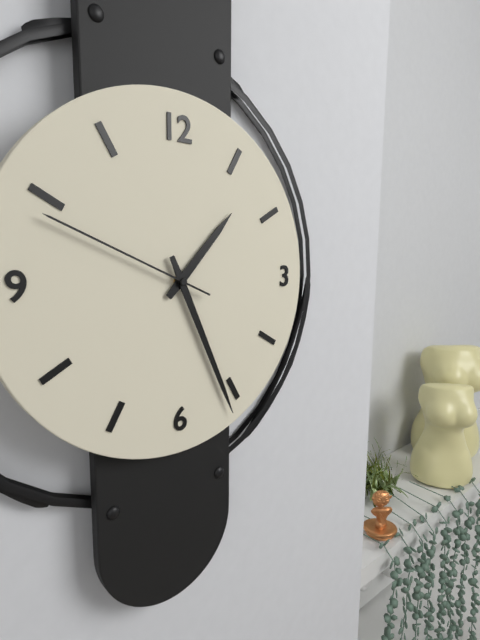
1:26:49
